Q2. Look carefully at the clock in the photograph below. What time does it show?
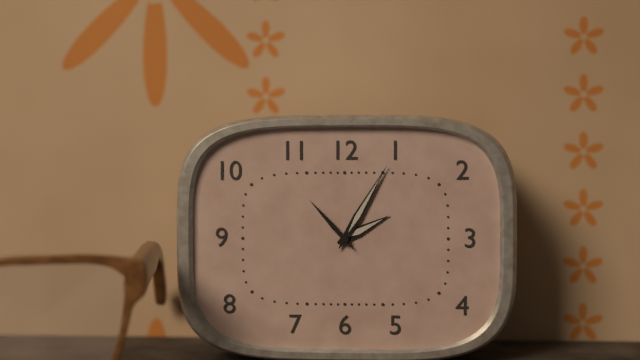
2:05:53
